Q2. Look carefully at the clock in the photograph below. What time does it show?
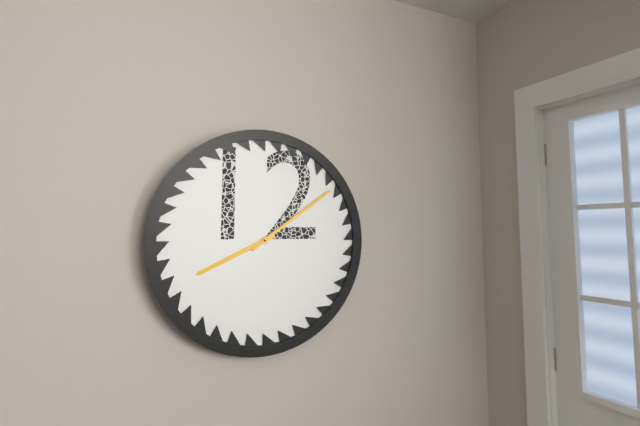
8:09
